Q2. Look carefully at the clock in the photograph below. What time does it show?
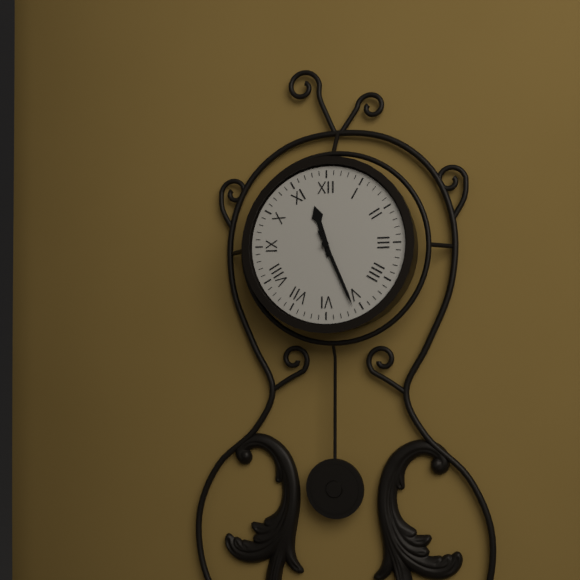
11:26
